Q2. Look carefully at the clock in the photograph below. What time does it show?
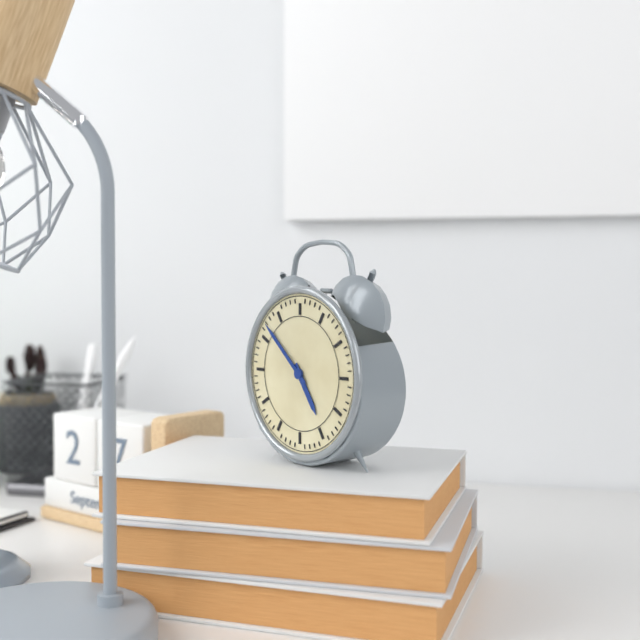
4:52
